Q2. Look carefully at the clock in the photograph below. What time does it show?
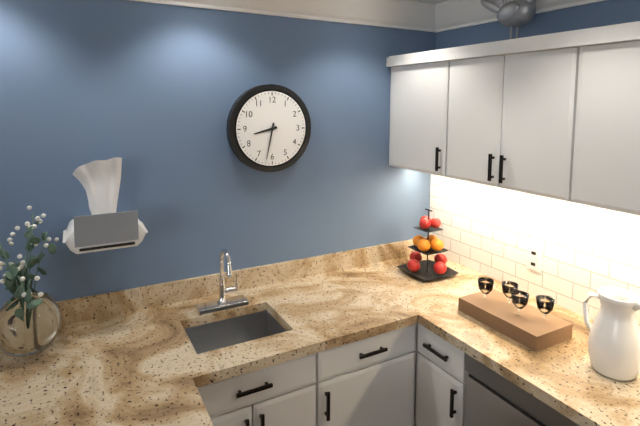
8:32
